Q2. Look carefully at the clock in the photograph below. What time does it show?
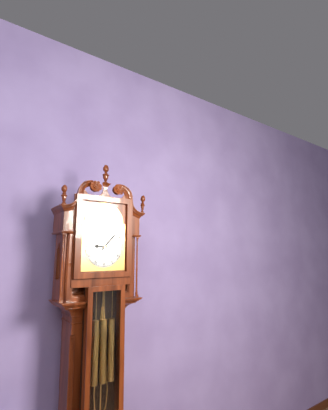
9:07
